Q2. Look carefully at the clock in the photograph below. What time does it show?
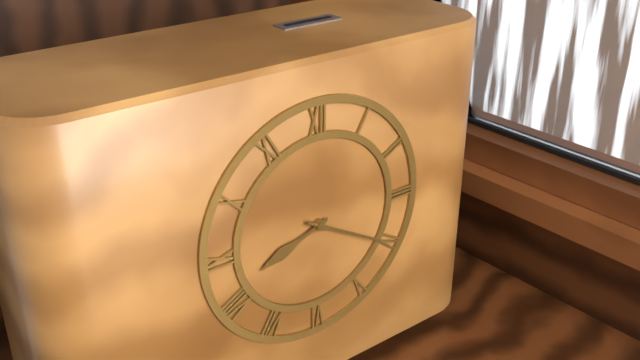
8:20
